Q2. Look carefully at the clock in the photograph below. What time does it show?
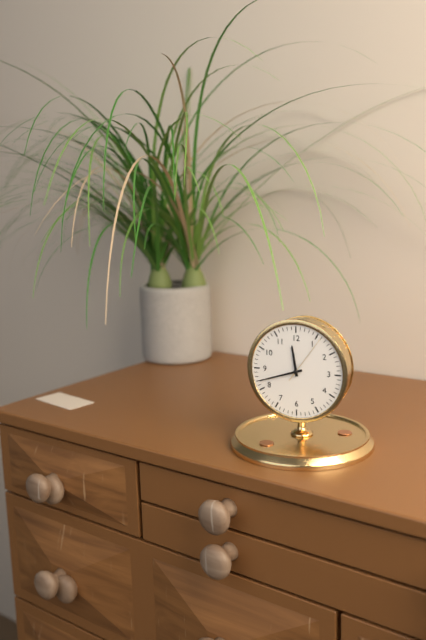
11:42:06
